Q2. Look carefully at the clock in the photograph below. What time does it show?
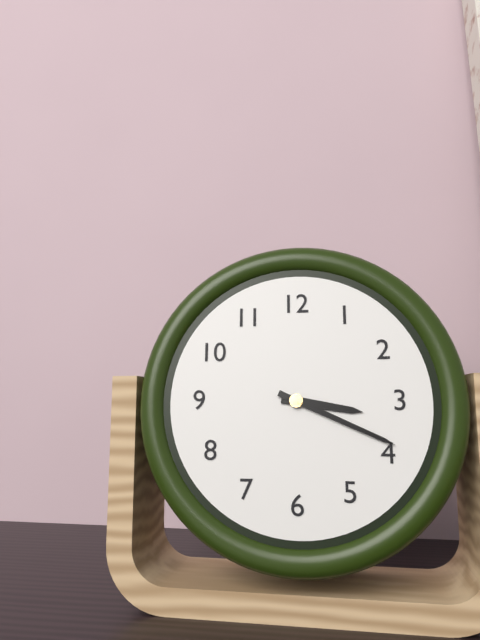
3:19
